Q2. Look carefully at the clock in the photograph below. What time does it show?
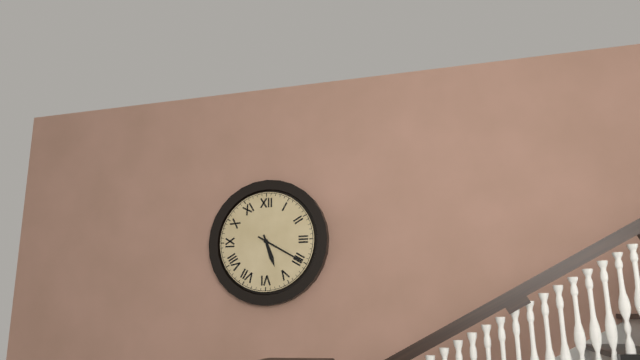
5:20
